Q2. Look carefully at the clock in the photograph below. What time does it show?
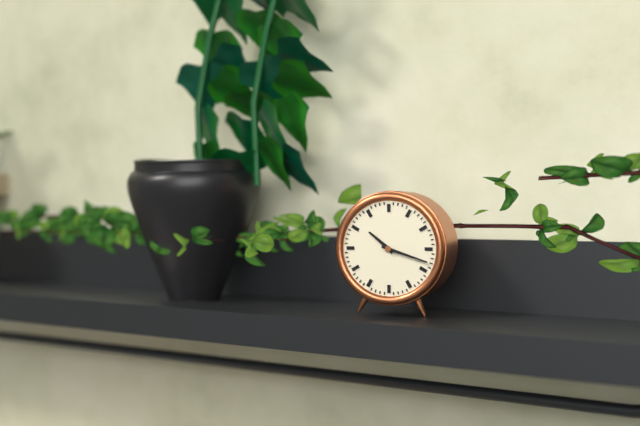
10:18
